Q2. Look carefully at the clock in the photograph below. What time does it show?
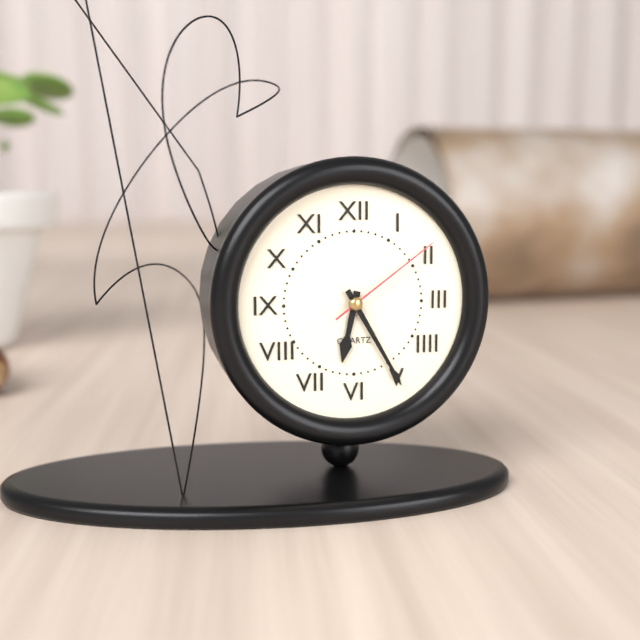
6:25:09
